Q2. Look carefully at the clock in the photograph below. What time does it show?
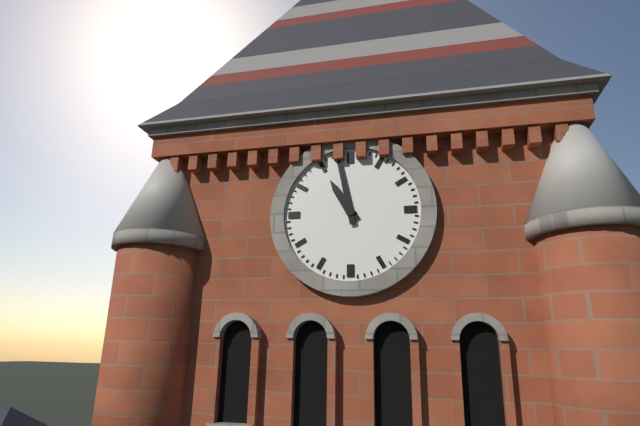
10:58
